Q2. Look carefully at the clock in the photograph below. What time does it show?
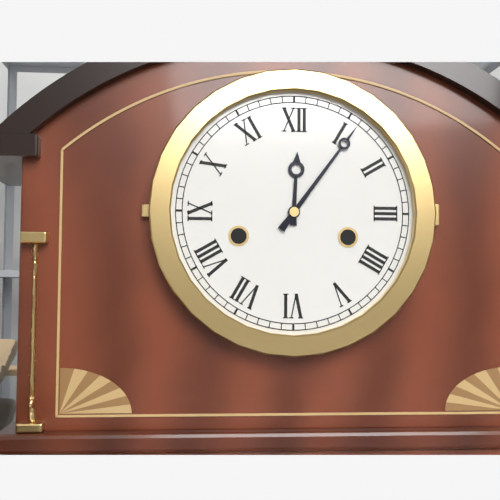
12:06
